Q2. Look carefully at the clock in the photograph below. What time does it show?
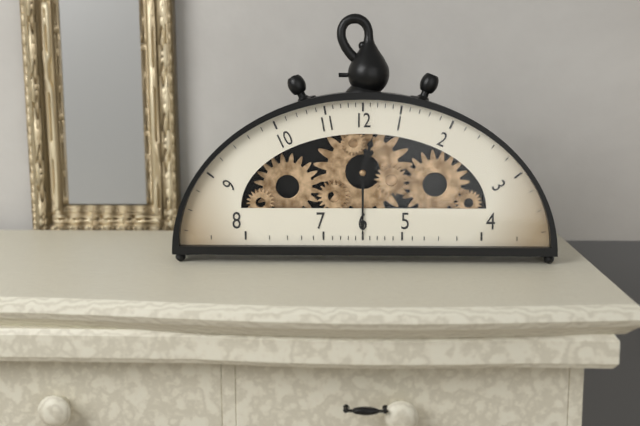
12:30
